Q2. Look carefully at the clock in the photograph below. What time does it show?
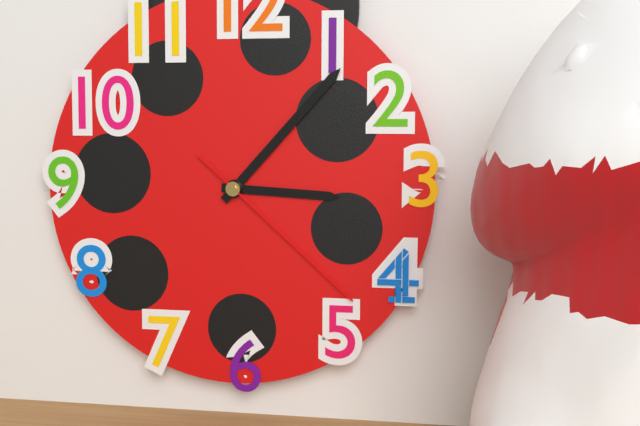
3:07:22
